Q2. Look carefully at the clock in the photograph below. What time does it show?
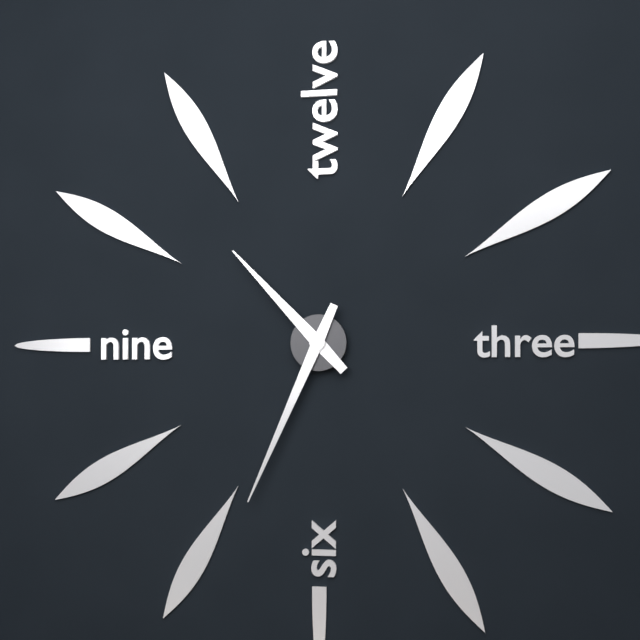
10:34
